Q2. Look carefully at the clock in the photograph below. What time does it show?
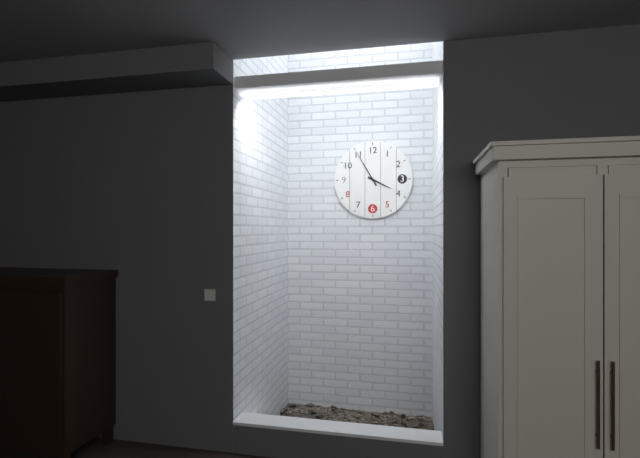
3:55
